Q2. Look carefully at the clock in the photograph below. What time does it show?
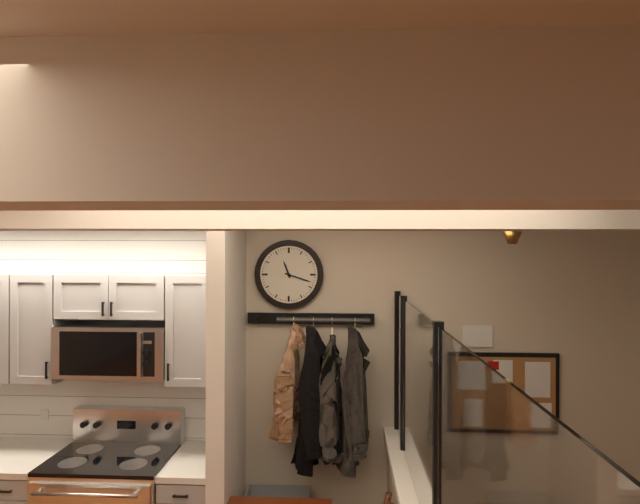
11:18
